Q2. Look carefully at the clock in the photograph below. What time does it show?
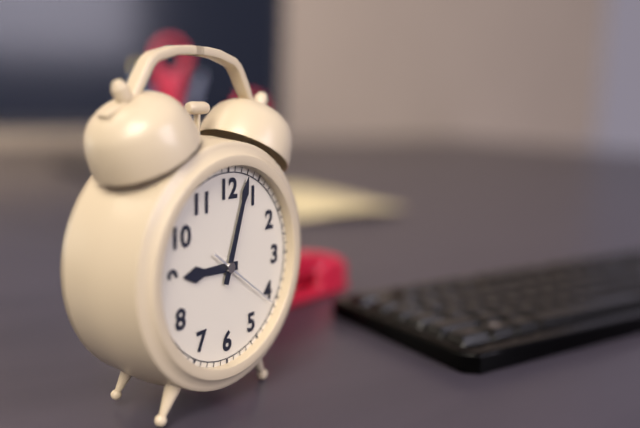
9:03:21
